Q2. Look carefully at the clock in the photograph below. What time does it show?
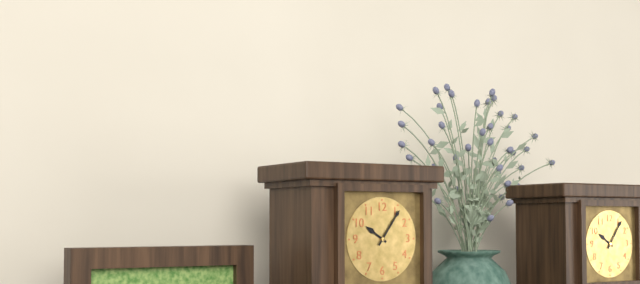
10:06
